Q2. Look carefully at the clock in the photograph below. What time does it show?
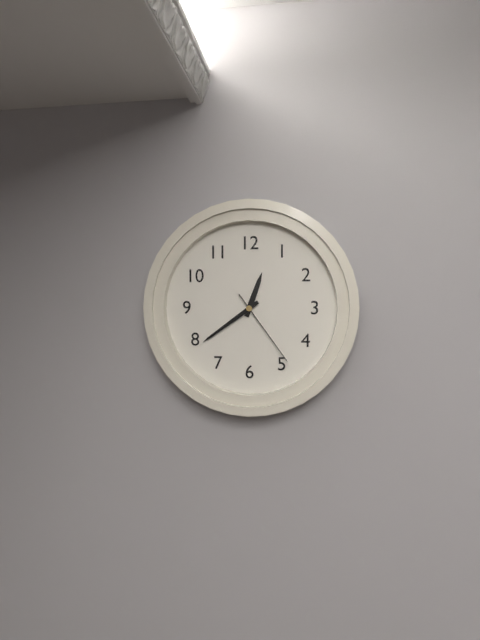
12:39:24
